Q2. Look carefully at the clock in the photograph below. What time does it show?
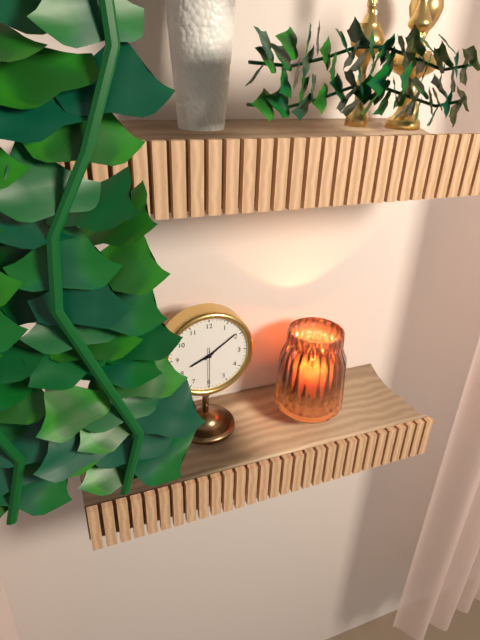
8:09
